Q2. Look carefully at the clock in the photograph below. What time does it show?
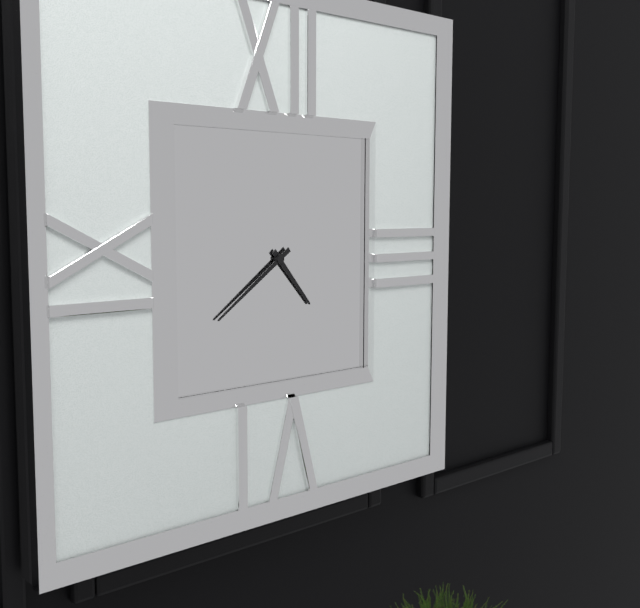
4:39
